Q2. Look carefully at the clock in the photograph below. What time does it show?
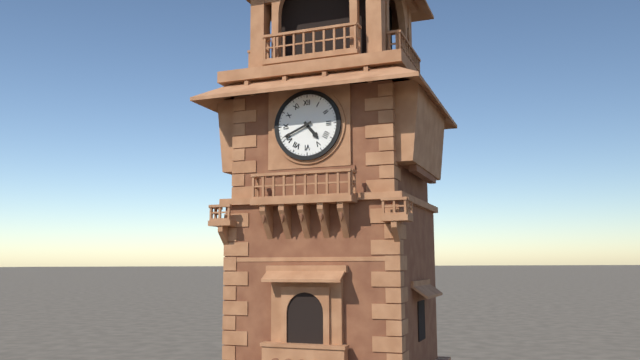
4:41
